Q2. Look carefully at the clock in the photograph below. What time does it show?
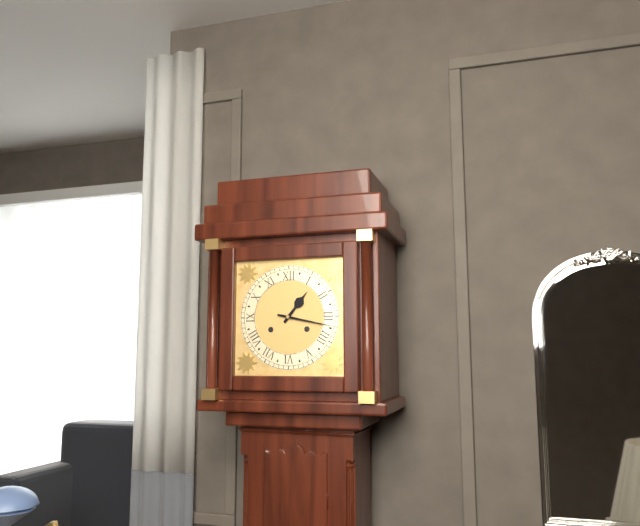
1:17
